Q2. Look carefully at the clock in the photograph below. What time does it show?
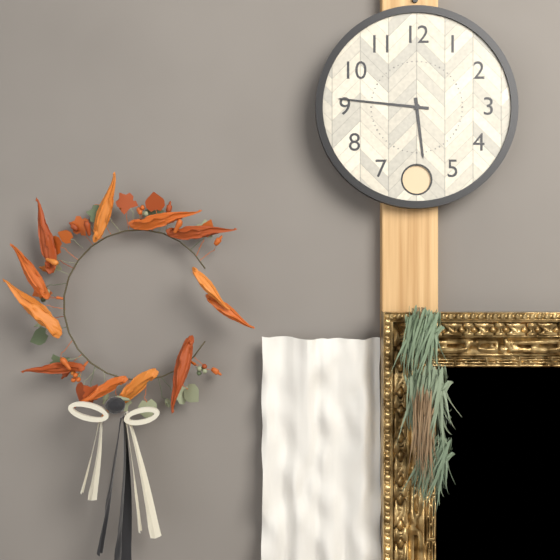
5:46
